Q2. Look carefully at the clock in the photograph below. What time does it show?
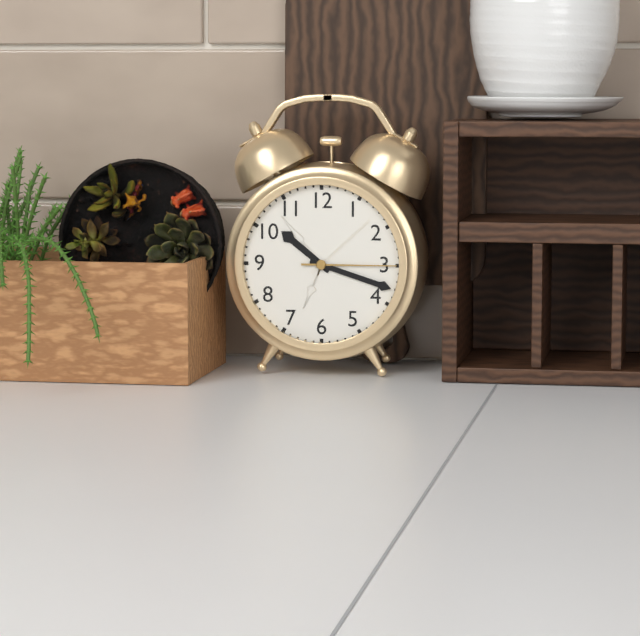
10:18:15
